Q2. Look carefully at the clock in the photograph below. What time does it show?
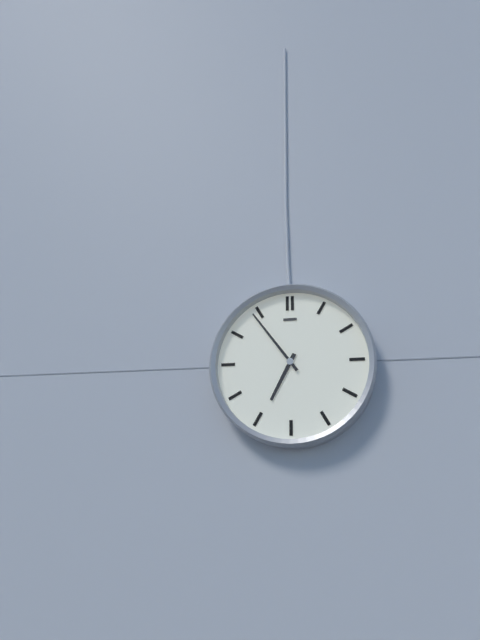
6:54
